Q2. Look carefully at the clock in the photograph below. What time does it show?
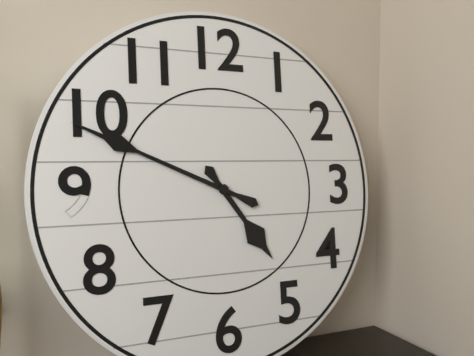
4:49
